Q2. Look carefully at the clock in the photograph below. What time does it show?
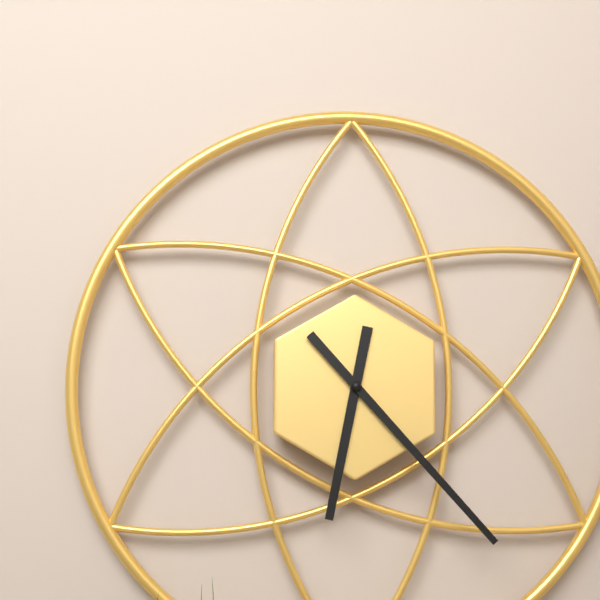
6:23
